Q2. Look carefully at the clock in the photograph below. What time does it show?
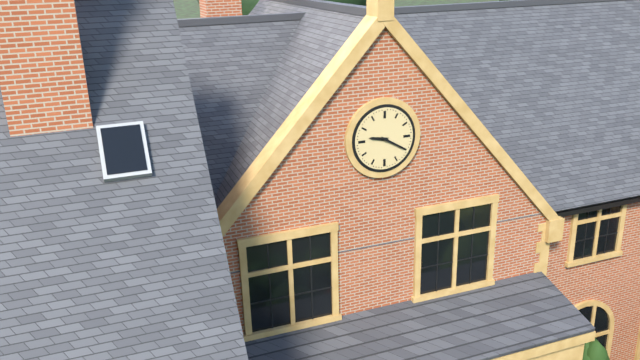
9:20
